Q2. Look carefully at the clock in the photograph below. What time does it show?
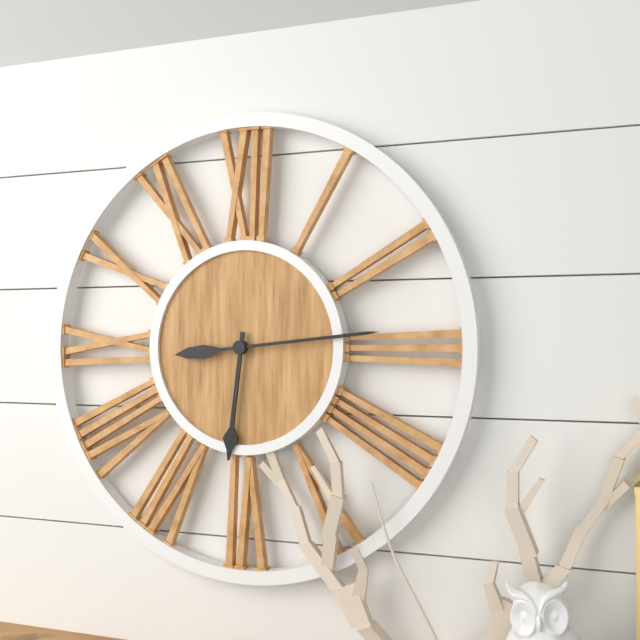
6:14
